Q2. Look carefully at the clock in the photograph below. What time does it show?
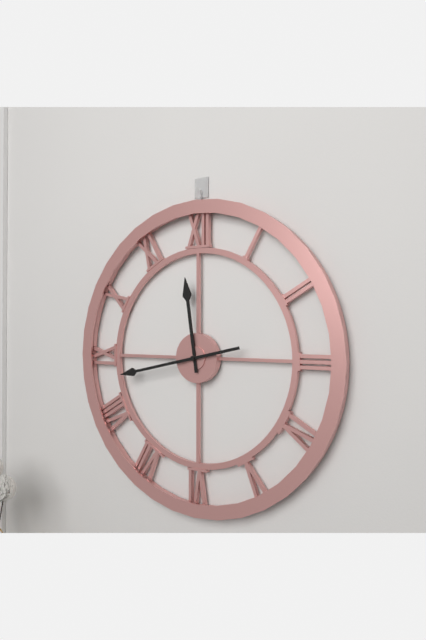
11:43
